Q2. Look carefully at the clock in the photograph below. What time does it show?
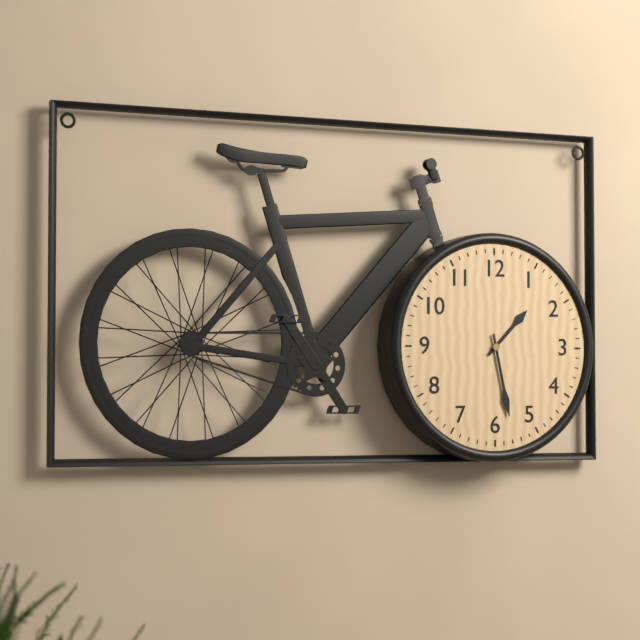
1:28
